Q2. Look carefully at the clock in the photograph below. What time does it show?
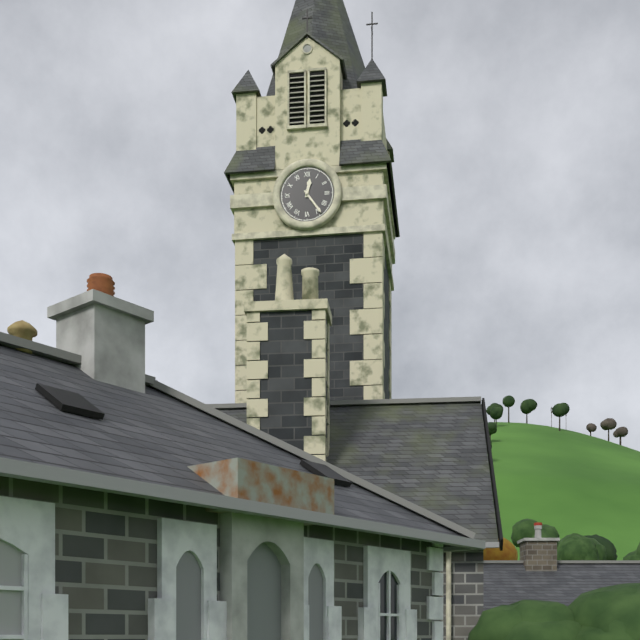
12:24
